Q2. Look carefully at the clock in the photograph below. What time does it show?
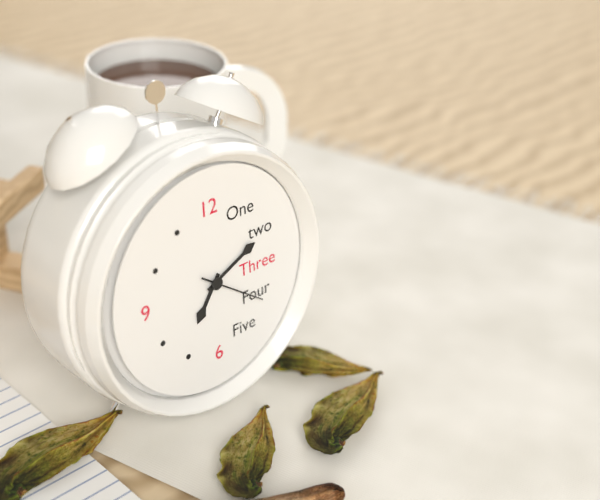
7:11:21
